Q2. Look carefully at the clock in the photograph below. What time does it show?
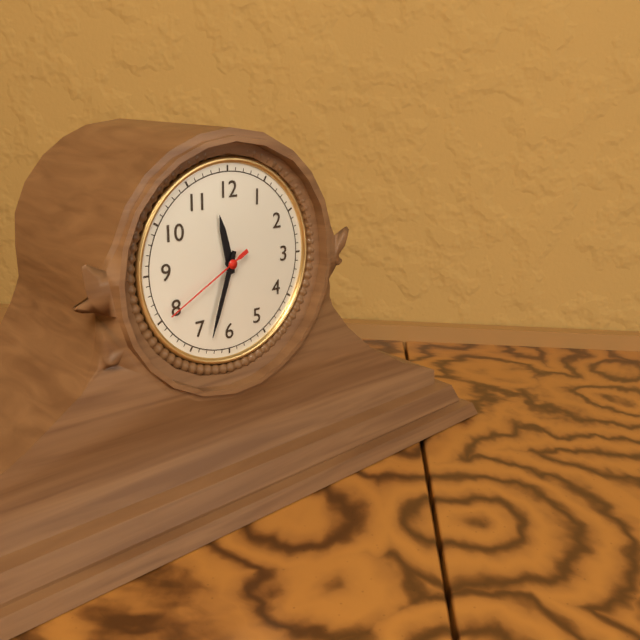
11:33:40
